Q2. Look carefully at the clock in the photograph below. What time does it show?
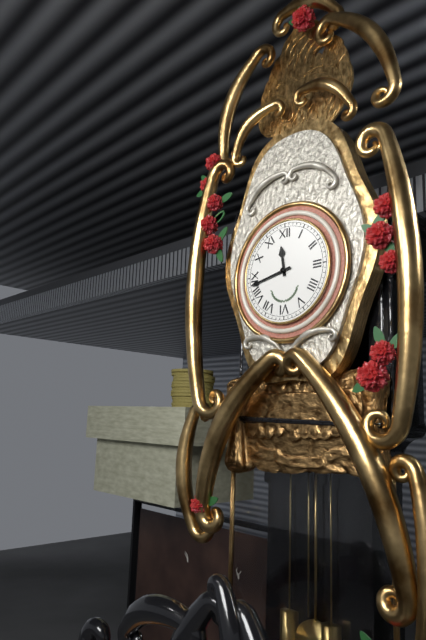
11:43
